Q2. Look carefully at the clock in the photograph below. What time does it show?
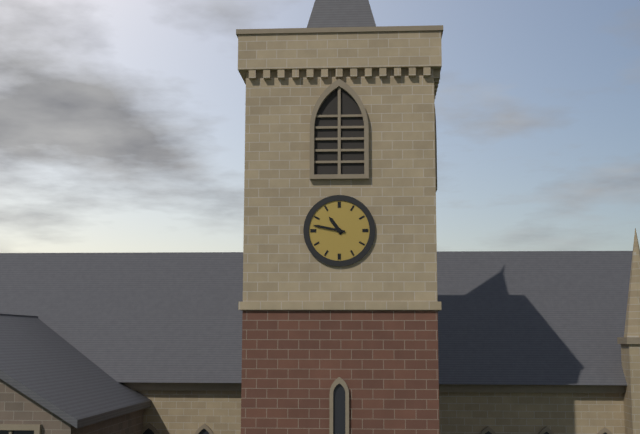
10:47
